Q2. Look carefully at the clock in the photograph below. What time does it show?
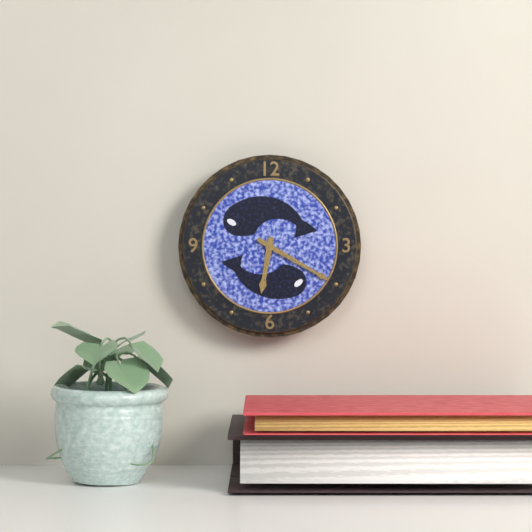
6:20
